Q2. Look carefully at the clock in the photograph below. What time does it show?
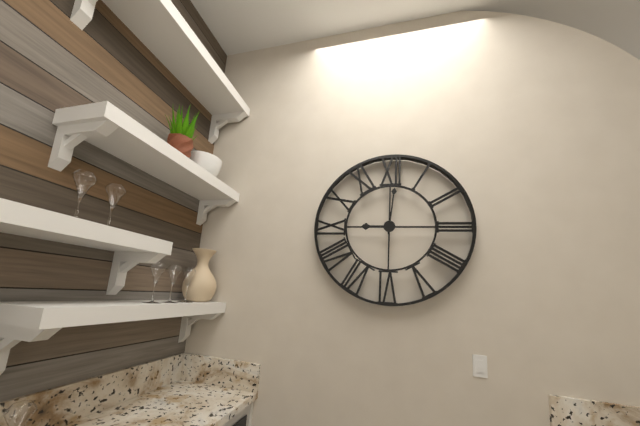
9:01
